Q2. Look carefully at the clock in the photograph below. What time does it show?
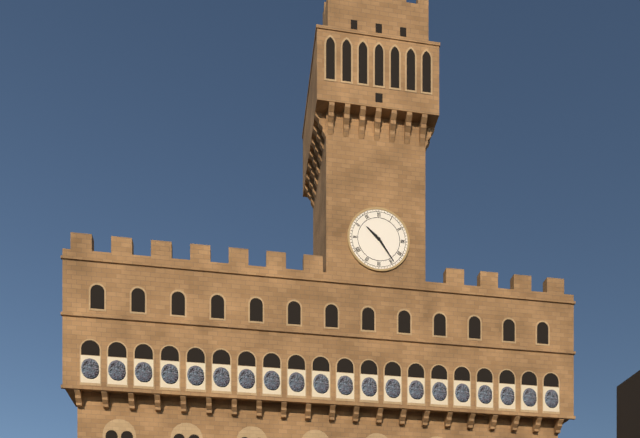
10:24
